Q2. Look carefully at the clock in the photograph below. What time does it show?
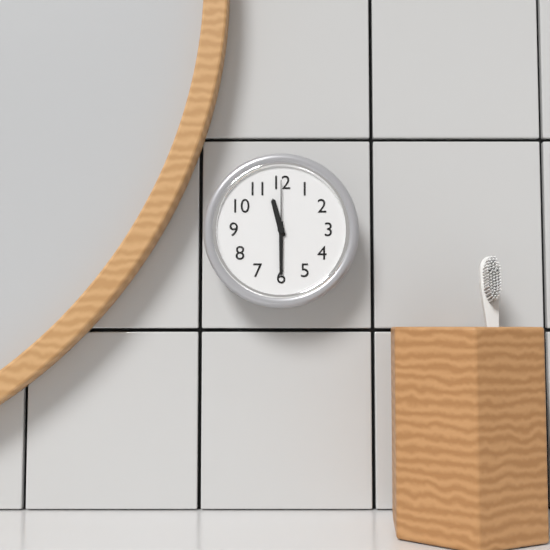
11:30:00
